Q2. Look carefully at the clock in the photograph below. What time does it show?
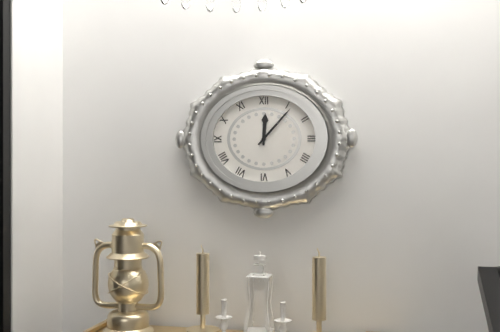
12:07
